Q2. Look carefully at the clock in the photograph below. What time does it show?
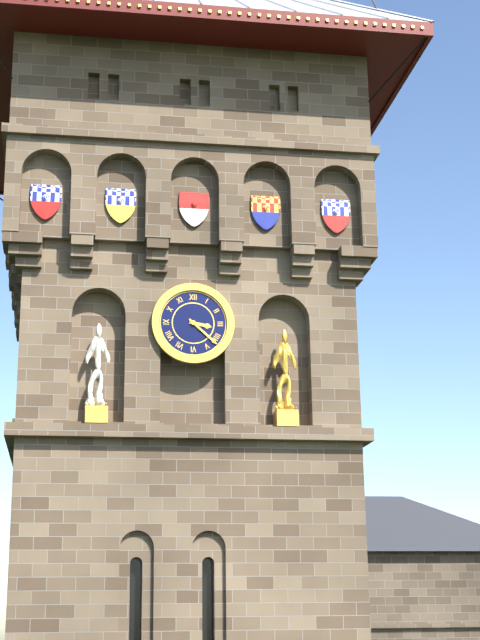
3:22
